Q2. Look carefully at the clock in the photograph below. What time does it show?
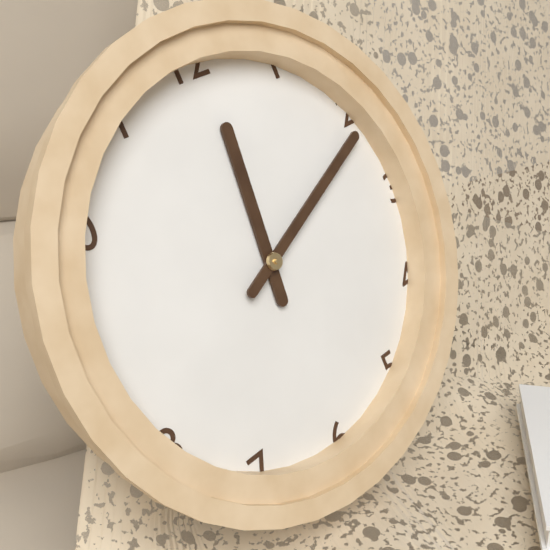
12:11
